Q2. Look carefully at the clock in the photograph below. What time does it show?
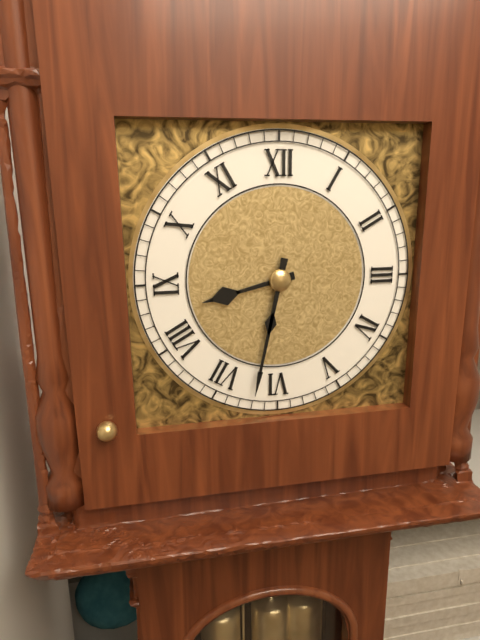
8:32
